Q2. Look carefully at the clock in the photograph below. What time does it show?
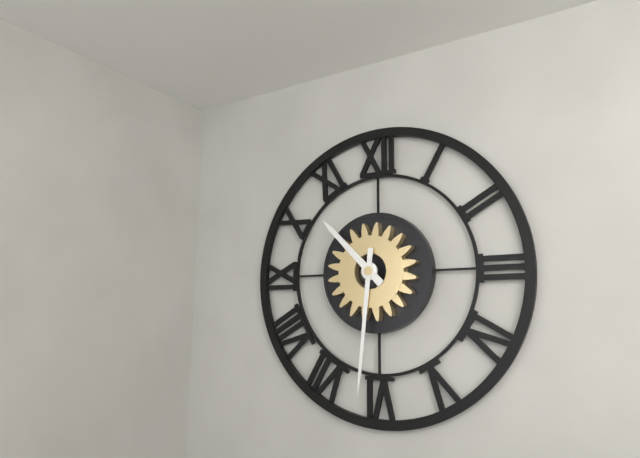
10:31
